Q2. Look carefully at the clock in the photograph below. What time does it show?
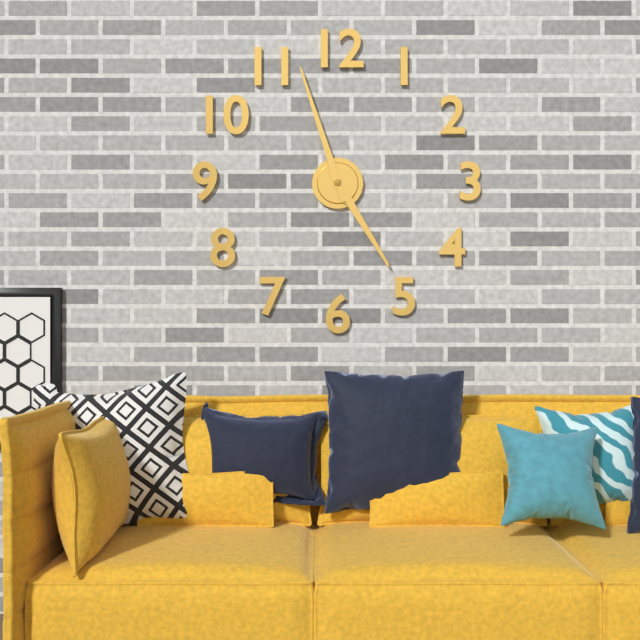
4:57
